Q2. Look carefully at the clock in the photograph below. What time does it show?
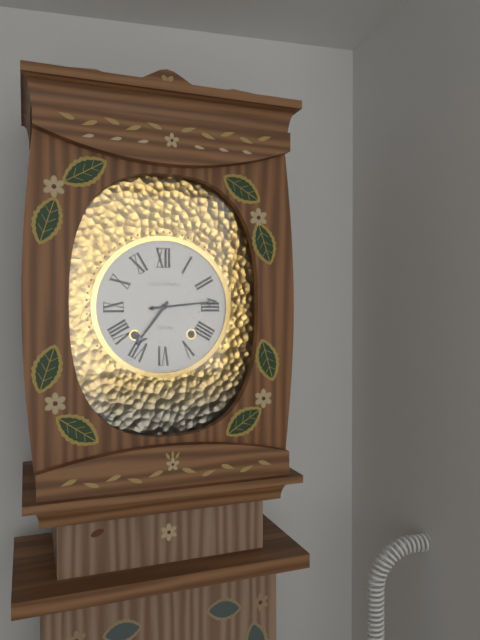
7:14
